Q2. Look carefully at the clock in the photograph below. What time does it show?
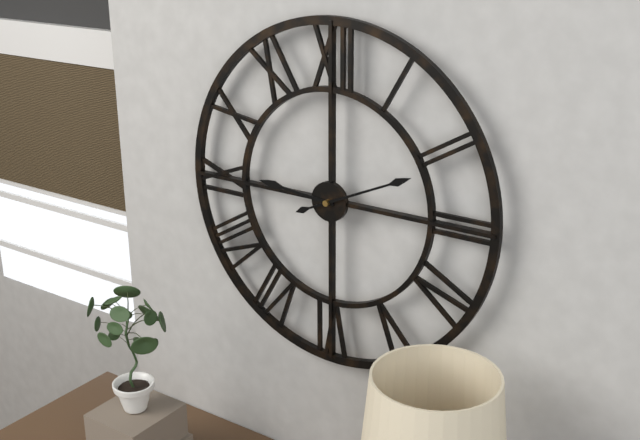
9:11
